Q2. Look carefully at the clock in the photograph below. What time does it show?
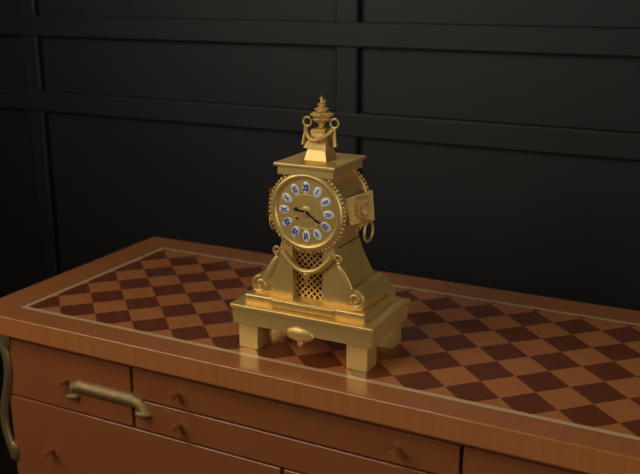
9:20
